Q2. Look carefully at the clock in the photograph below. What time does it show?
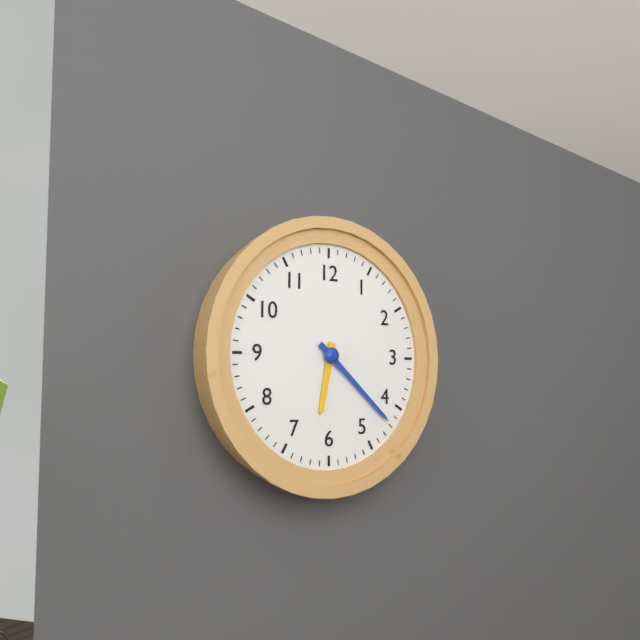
6:22
